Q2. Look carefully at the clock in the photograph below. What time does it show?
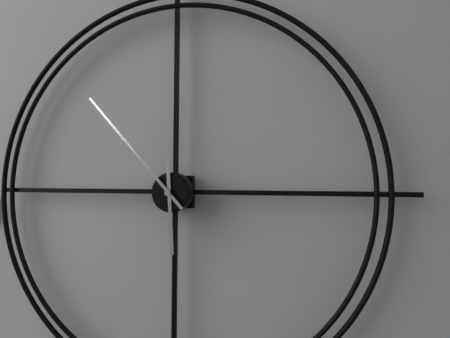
5:53
